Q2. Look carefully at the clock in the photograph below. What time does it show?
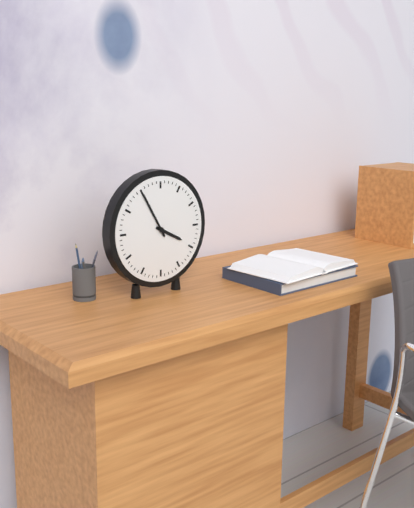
3:55
